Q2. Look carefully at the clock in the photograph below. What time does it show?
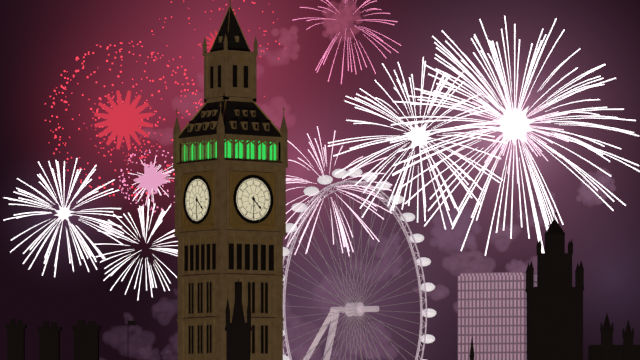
4:30
